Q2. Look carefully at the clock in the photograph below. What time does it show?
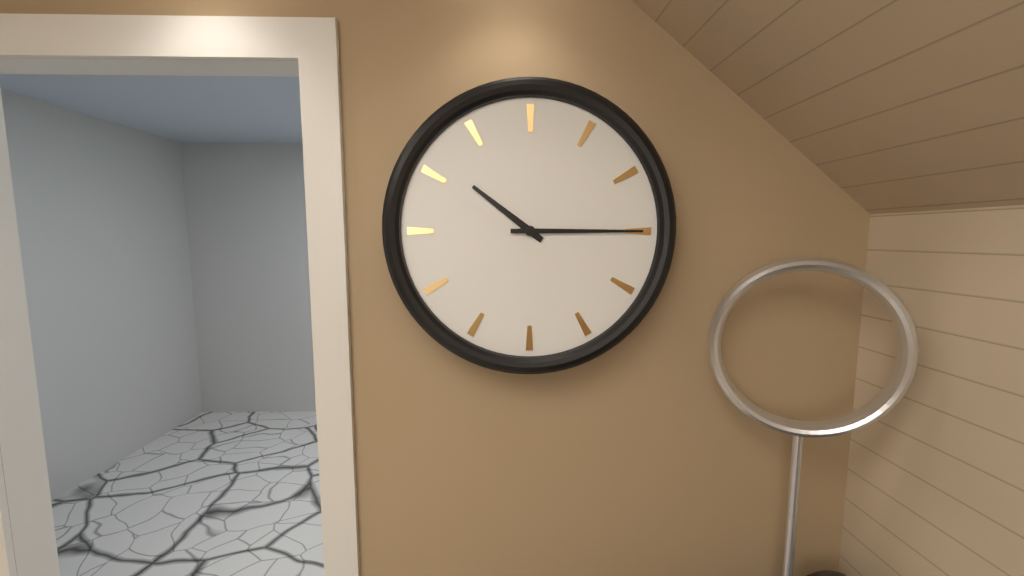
10:15
